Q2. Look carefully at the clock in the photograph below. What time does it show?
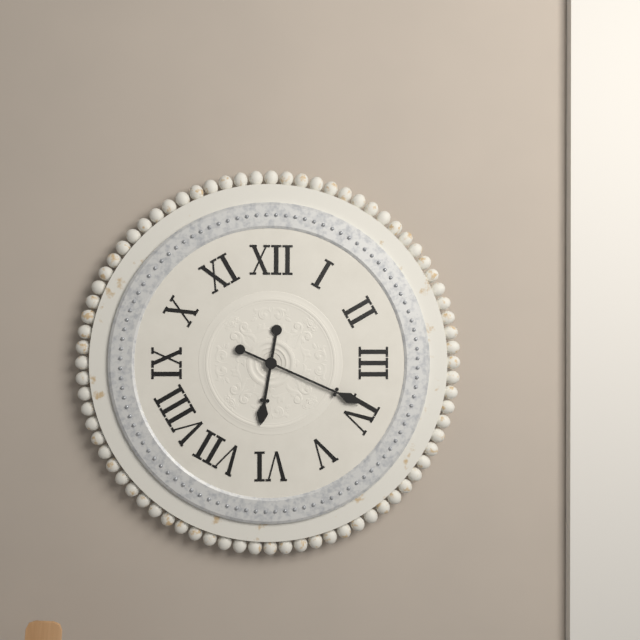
6:19
